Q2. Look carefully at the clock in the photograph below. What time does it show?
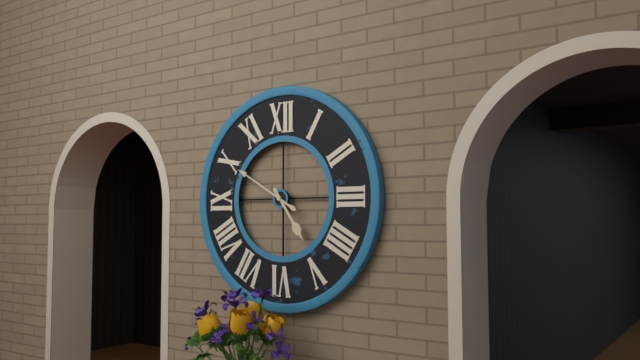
4:50
